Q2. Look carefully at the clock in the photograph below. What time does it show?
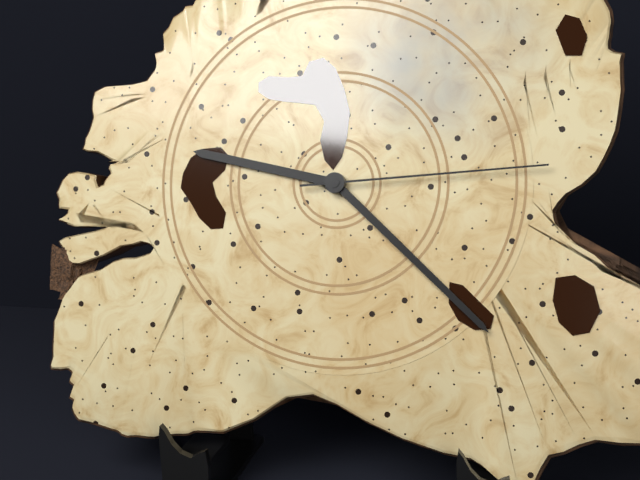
9:22:14
